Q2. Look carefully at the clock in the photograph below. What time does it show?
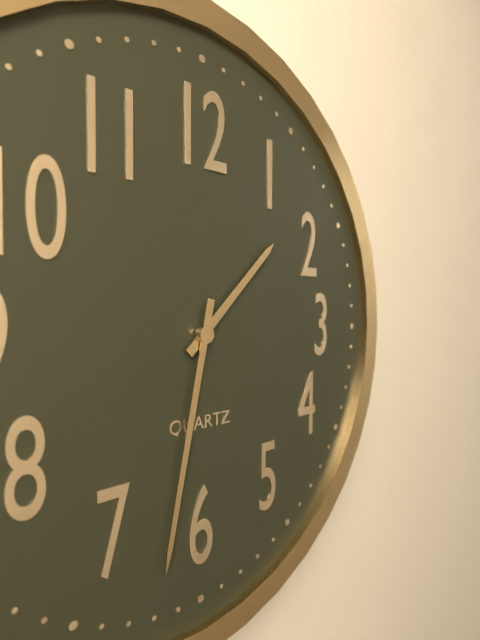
1:32
